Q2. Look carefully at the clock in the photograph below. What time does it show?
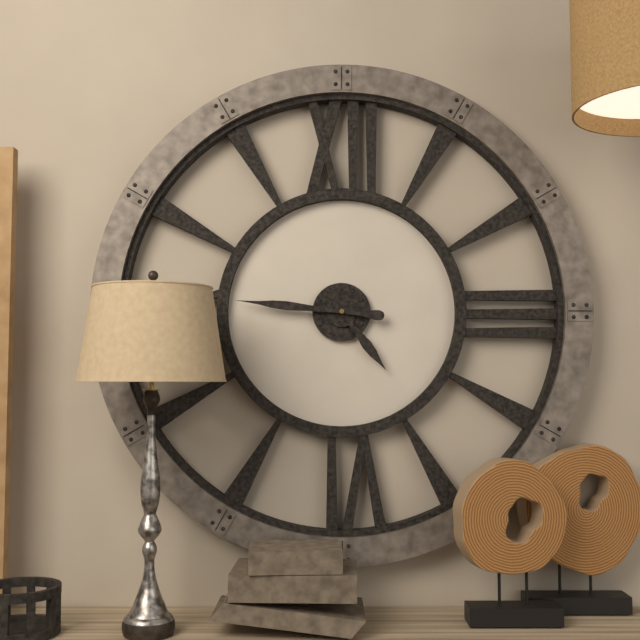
4:46
